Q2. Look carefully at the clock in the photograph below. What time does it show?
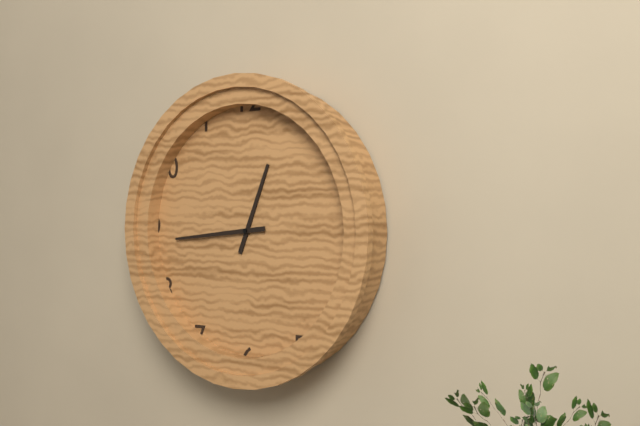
12:44
